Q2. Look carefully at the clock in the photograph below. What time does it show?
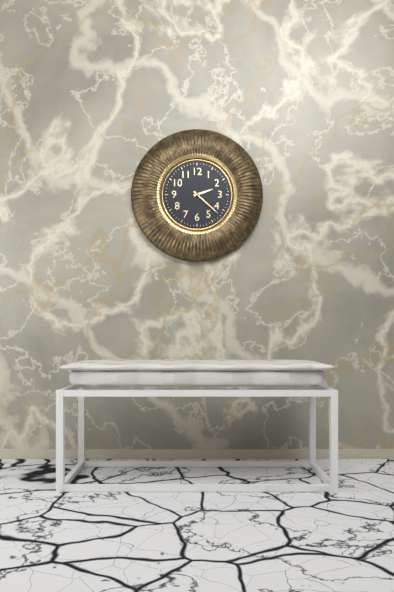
2:22
